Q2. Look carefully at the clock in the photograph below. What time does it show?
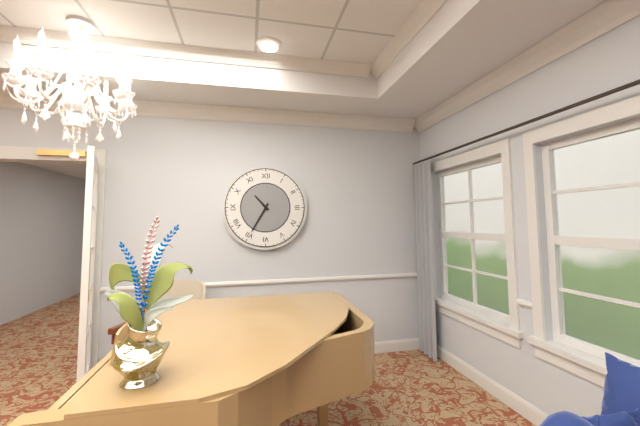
10:35
